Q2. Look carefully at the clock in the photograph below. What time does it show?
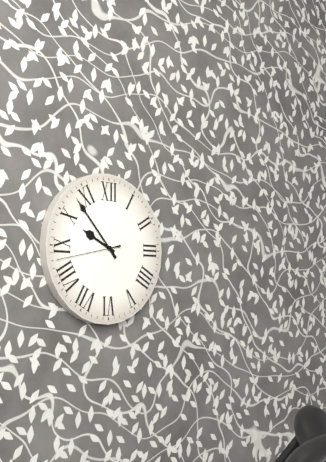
9:53:43
